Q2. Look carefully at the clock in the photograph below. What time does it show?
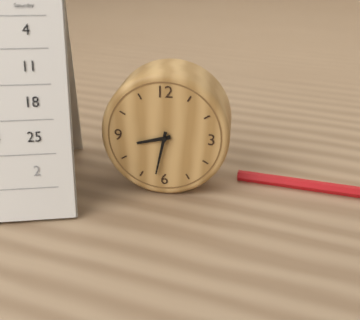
8:32
